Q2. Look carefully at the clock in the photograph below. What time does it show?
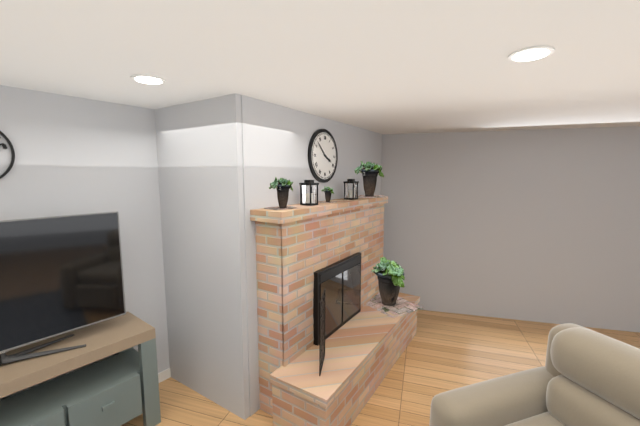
3:52
